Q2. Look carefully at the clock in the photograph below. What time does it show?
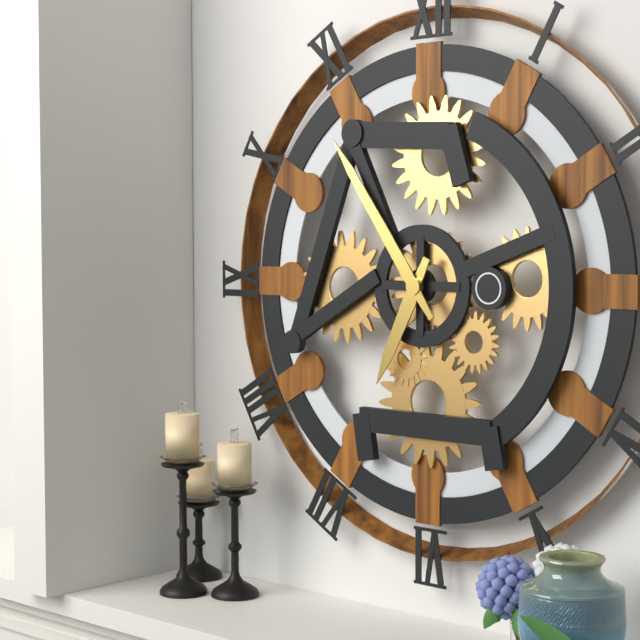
6:54
